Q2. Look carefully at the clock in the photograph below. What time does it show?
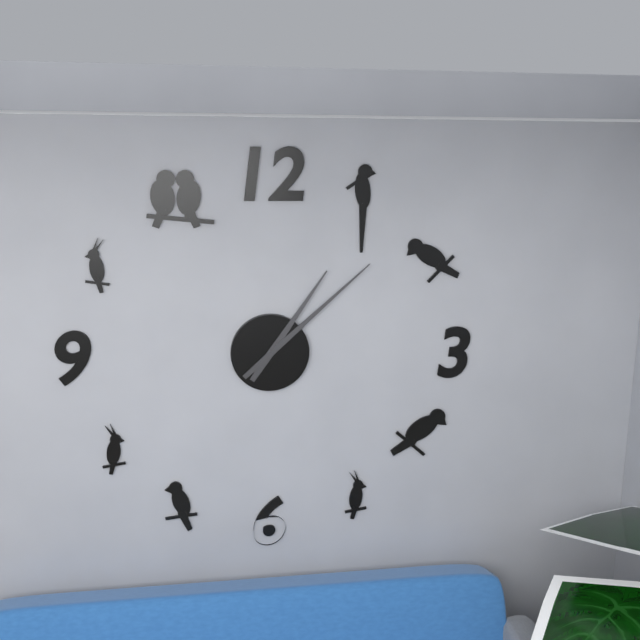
1:08
